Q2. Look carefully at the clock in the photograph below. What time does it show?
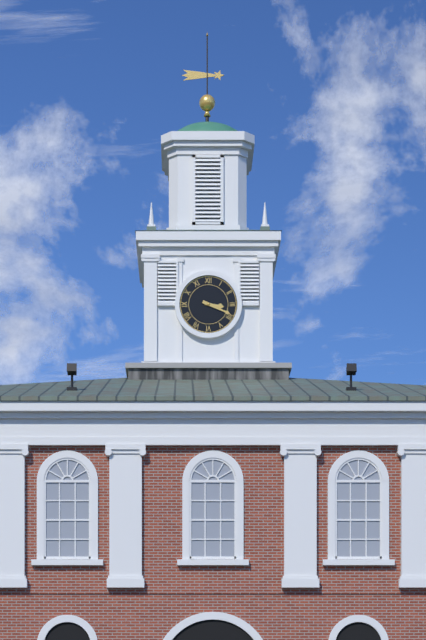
3:19
